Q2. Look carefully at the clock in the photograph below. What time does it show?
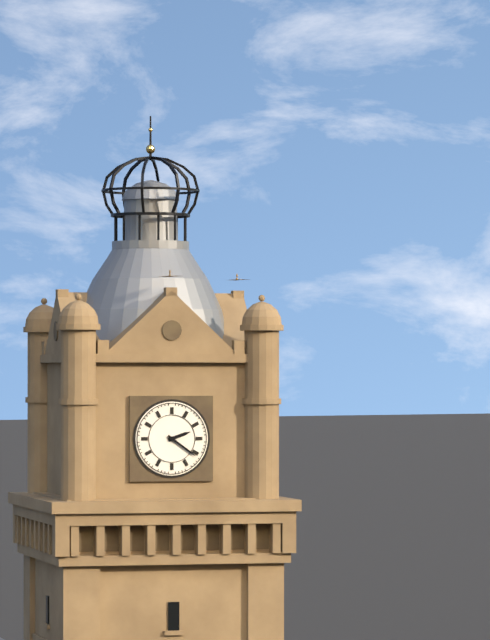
2:21
